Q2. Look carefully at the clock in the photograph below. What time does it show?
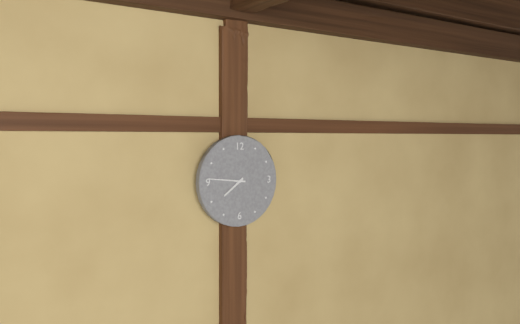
7:46
